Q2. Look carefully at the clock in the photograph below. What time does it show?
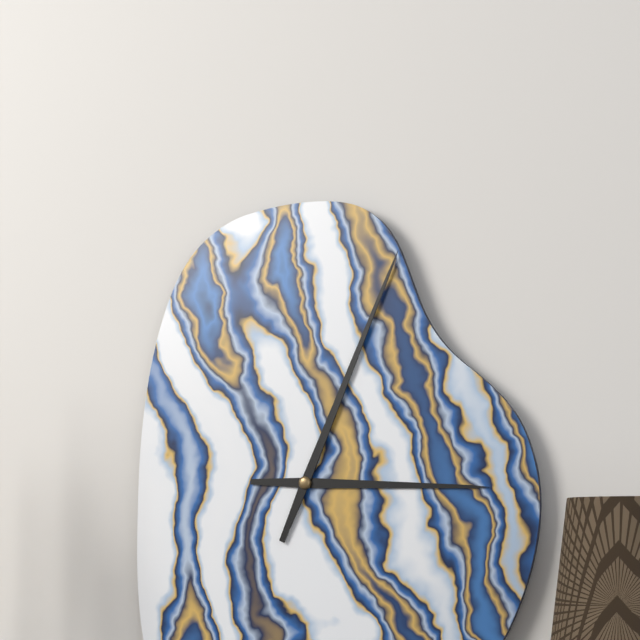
3:04
